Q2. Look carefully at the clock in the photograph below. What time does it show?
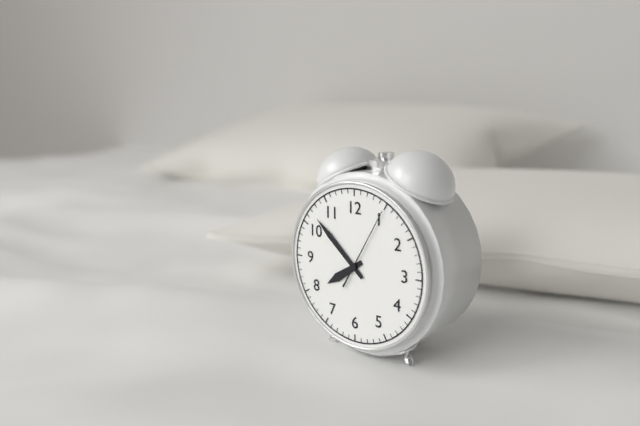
7:52:05
